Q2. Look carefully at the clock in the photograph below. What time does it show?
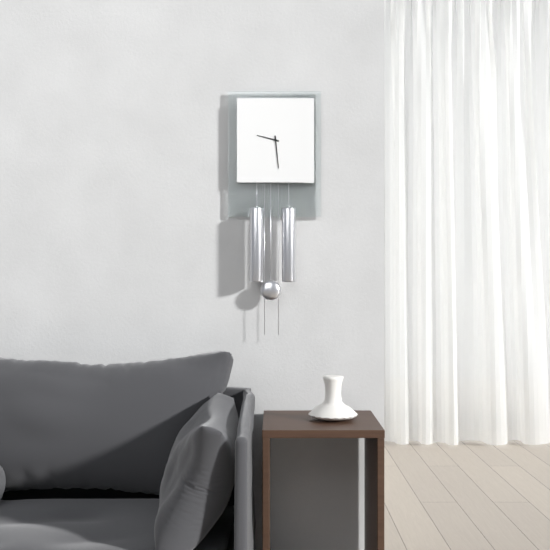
9:29
